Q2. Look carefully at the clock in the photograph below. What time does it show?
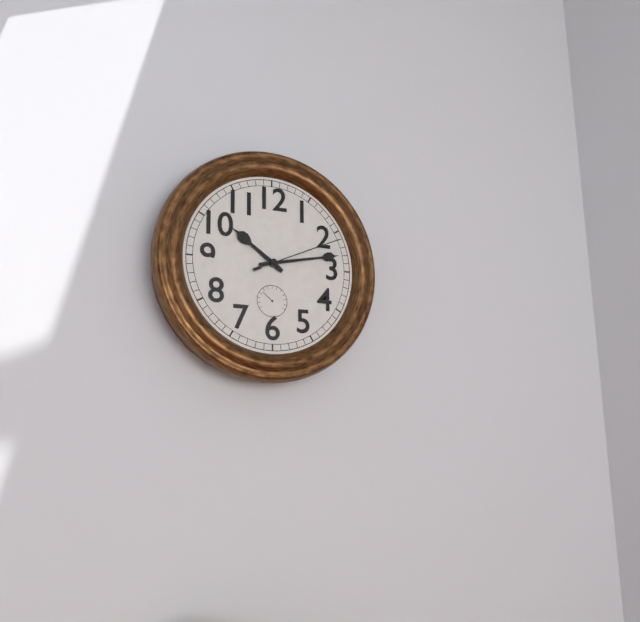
10:13:11
